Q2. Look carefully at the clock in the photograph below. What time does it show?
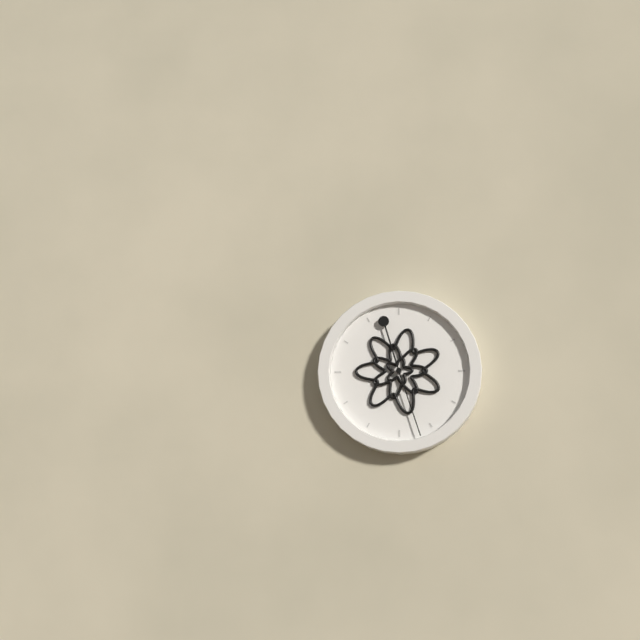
11:27
